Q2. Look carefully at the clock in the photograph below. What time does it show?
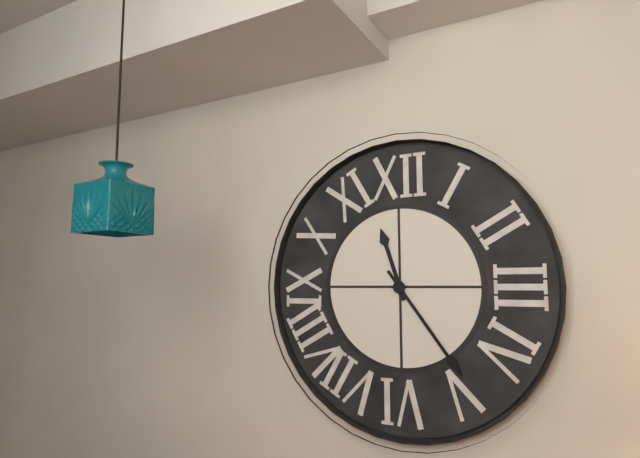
11:24
